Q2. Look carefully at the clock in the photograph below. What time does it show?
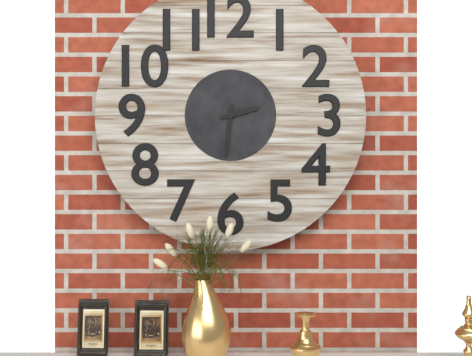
2:31
